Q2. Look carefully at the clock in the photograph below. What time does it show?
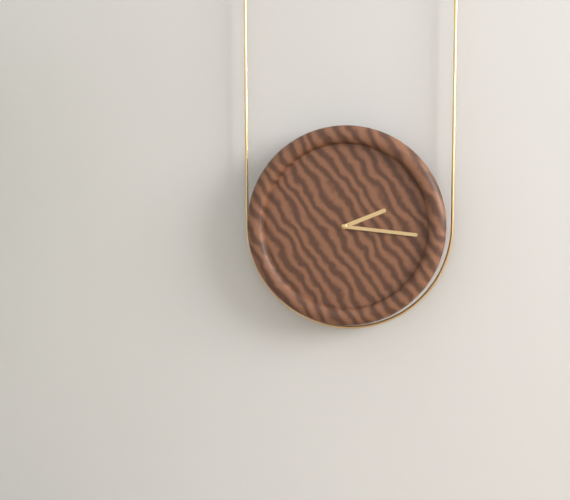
2:16
